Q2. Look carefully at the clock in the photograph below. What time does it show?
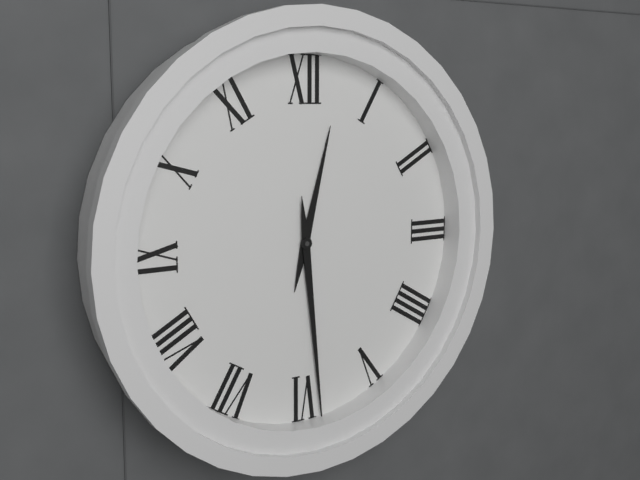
12:29
